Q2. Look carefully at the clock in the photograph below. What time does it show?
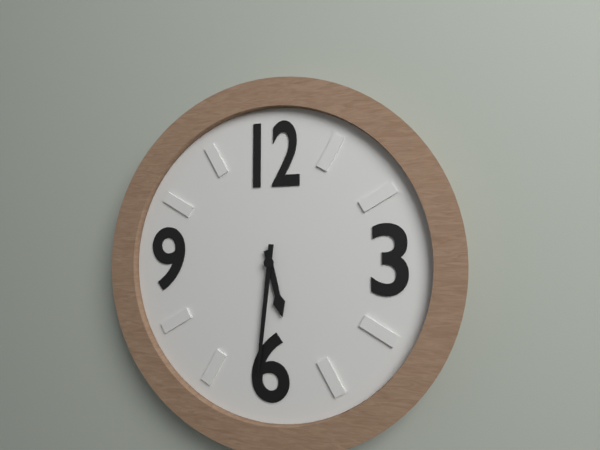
5:31
